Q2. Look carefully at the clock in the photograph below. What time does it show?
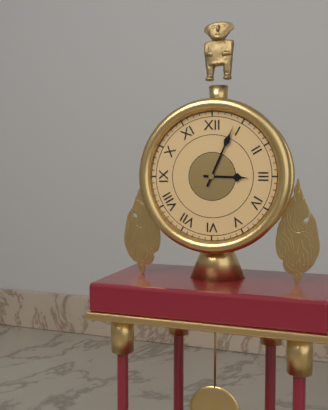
3:04
